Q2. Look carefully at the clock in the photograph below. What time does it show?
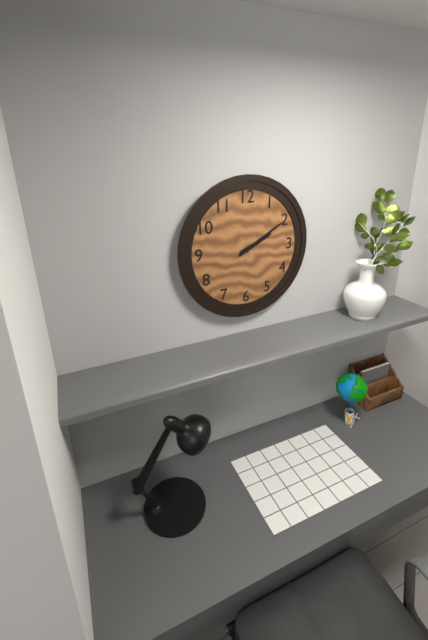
2:10
